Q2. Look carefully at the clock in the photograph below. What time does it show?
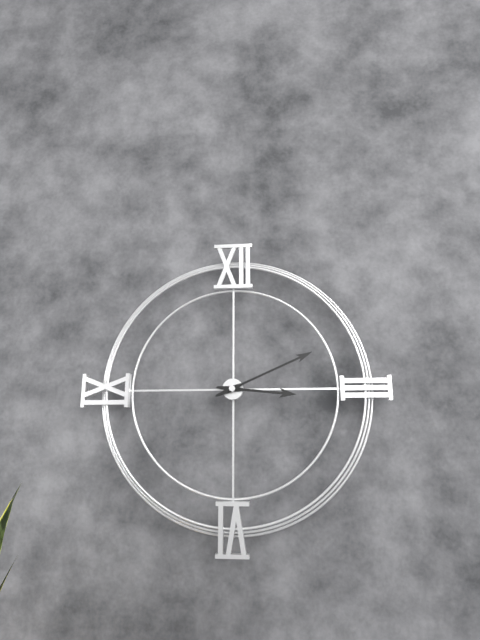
3:11
